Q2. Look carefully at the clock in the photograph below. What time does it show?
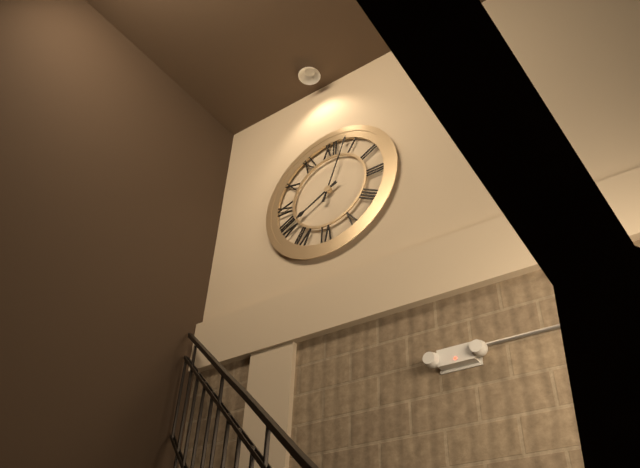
8:03
